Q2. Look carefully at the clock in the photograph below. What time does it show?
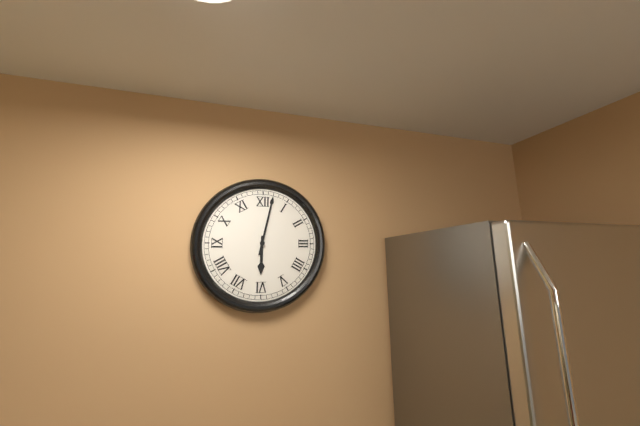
6:02
